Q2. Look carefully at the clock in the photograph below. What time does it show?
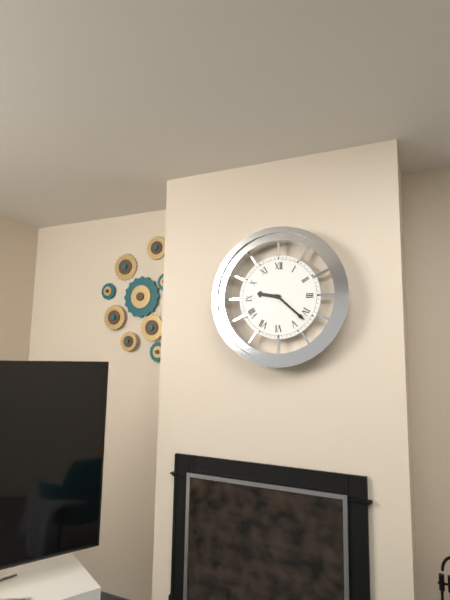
9:22
